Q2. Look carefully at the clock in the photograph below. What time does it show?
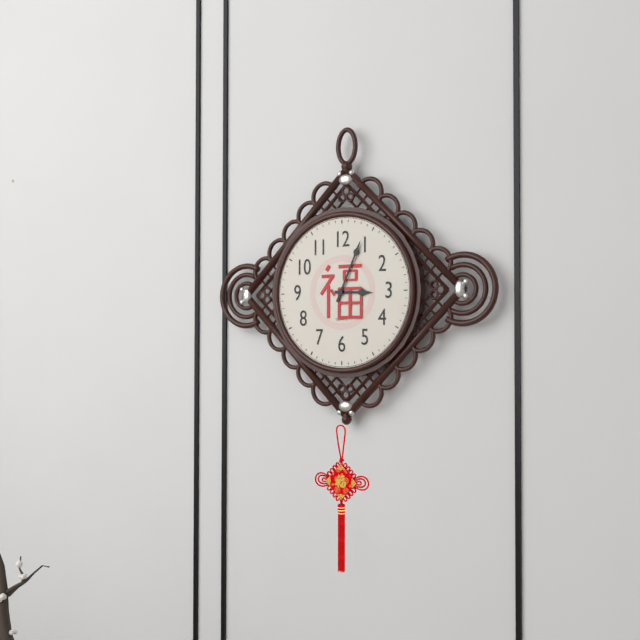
3:04
